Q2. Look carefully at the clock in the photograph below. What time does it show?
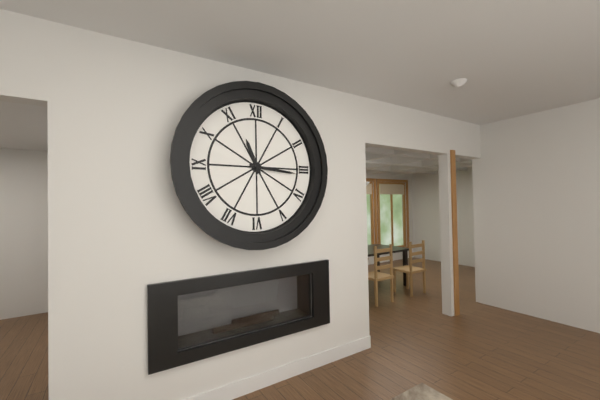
11:16
